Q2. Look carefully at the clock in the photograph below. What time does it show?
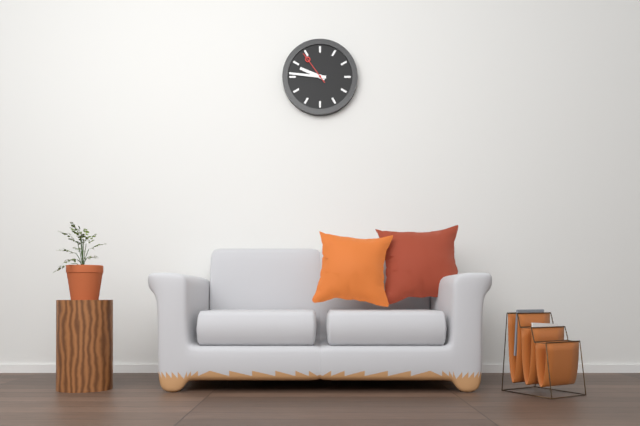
9:46
